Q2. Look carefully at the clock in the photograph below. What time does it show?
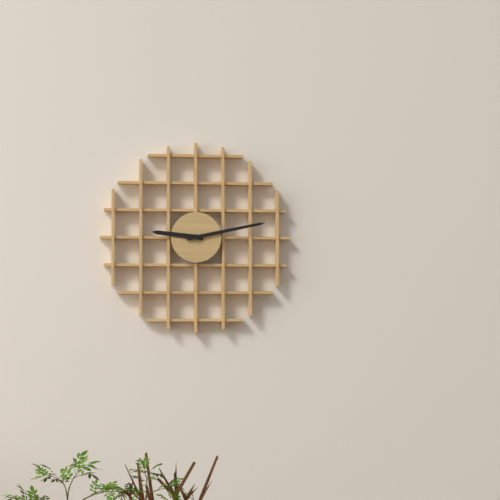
9:13
